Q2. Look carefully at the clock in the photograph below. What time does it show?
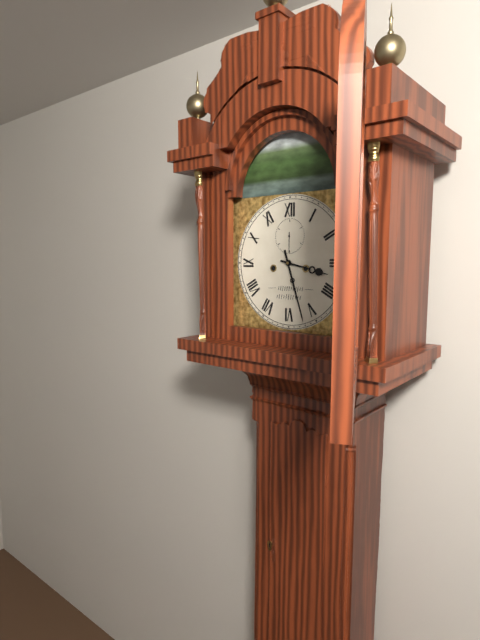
3:27
